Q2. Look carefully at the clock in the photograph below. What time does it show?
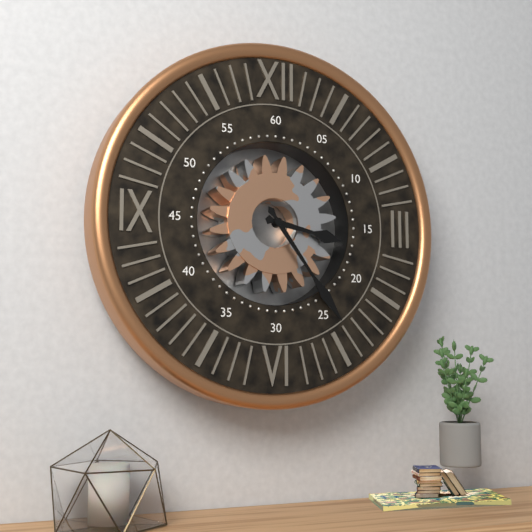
3:24
